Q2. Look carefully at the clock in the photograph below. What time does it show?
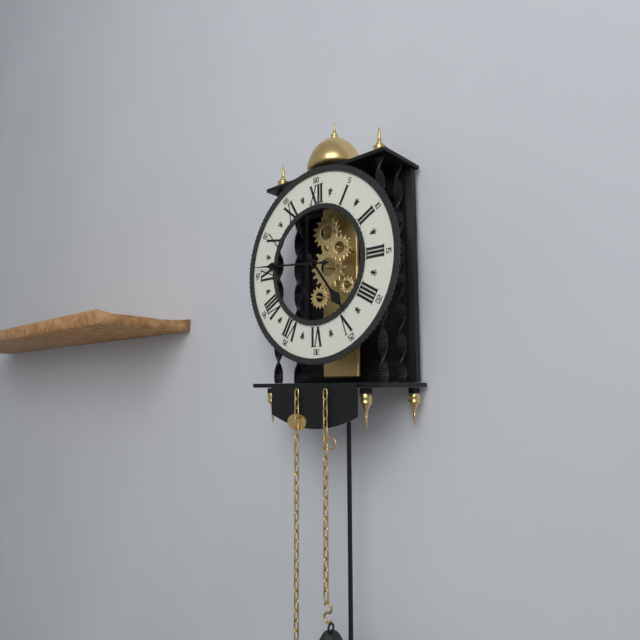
4:46
